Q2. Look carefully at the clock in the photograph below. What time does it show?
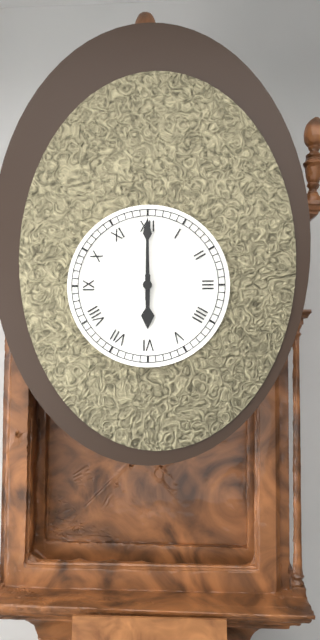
6:00
